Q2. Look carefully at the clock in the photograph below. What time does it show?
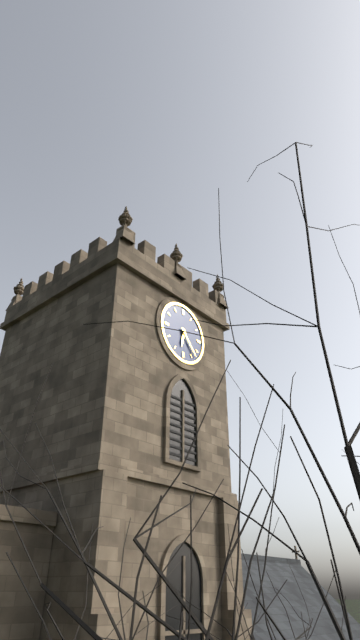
6:23
